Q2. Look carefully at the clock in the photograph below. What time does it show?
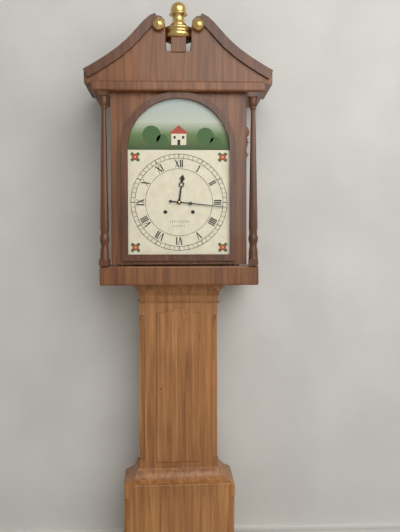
12:16
